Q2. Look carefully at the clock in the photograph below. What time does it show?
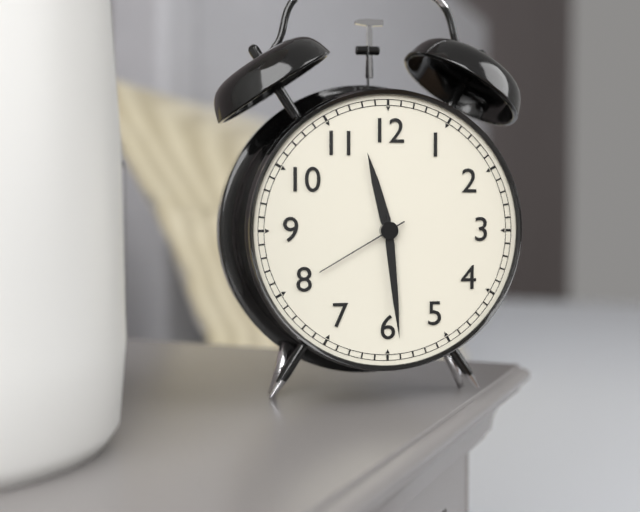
11:29:40
